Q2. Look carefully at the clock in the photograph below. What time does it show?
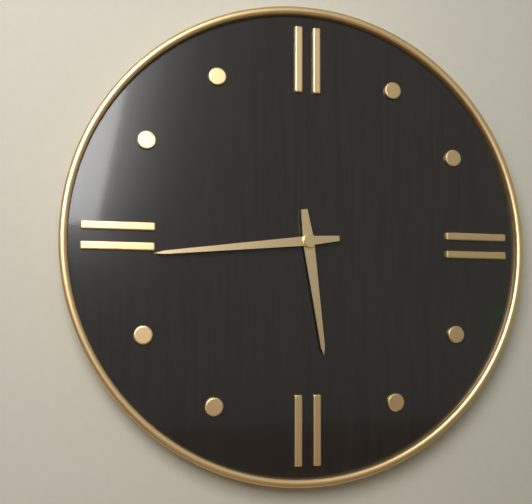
5:44
